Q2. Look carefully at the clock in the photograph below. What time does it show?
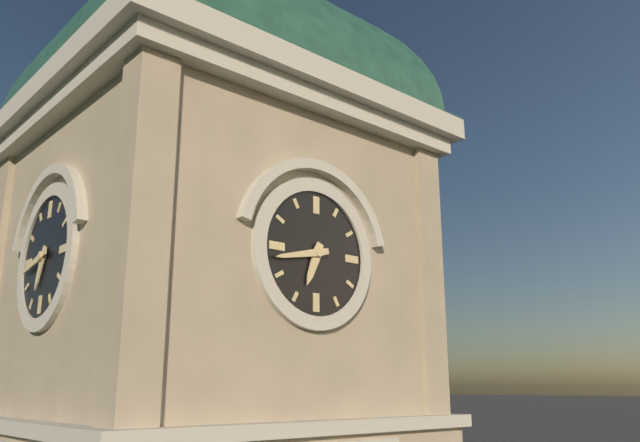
6:43
